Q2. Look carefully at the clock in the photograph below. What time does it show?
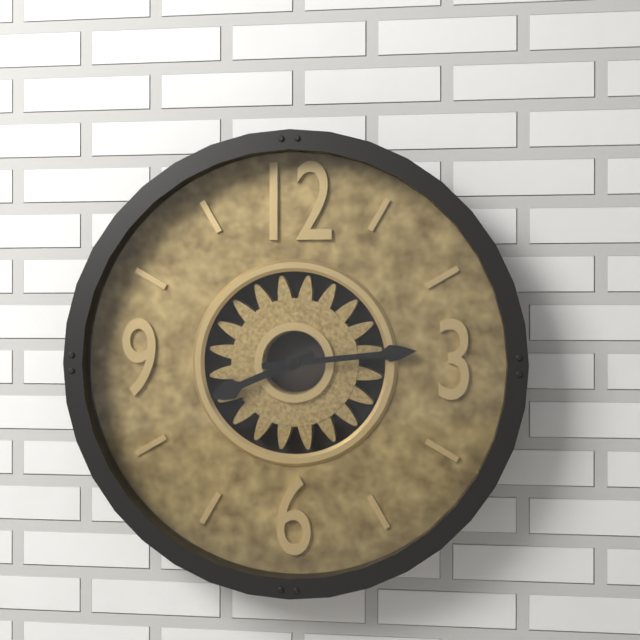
8:14
